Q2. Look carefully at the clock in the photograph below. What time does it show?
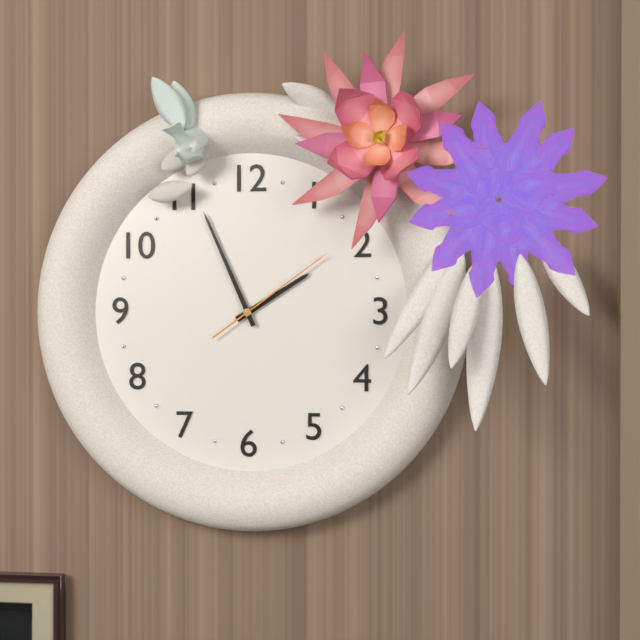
1:56:09
